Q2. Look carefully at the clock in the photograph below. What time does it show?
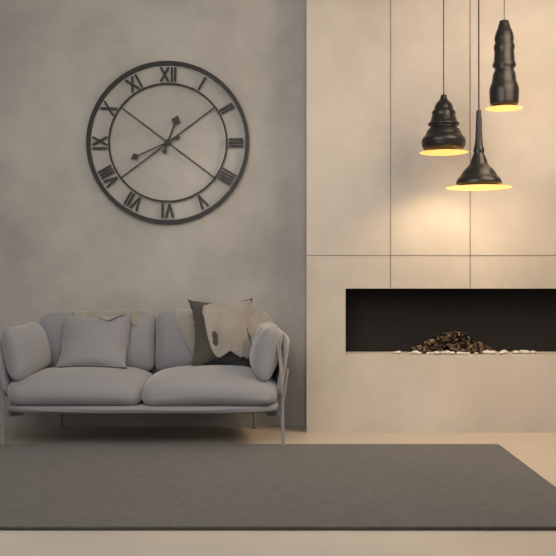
12:41
